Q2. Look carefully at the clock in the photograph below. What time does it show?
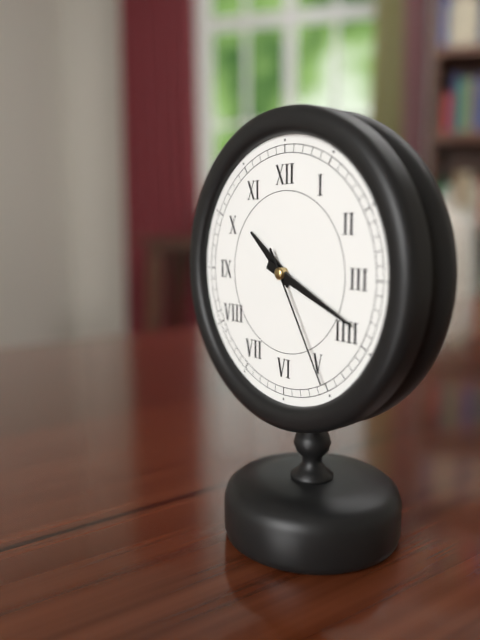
10:19:25
